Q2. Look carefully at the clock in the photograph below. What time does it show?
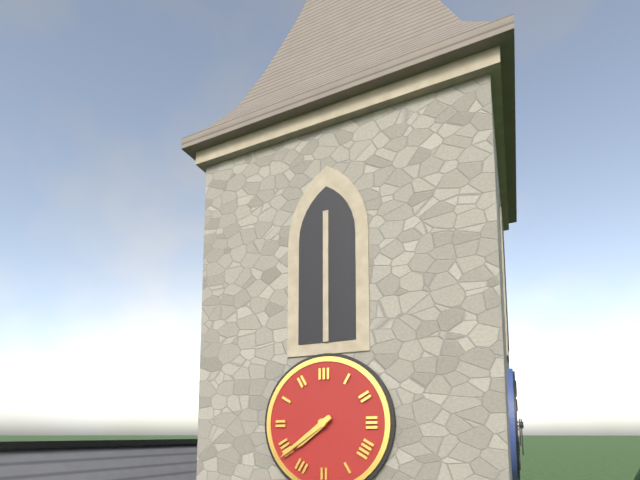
7:39
